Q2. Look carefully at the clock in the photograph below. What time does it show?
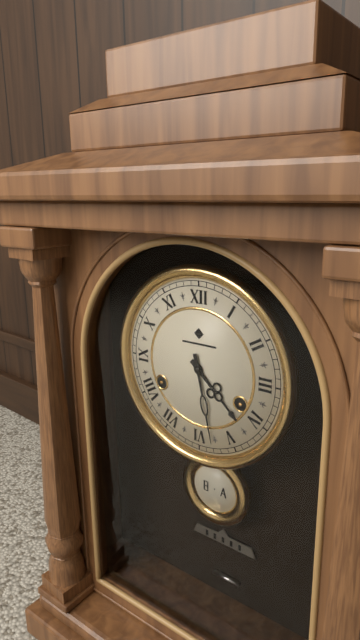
4:28
